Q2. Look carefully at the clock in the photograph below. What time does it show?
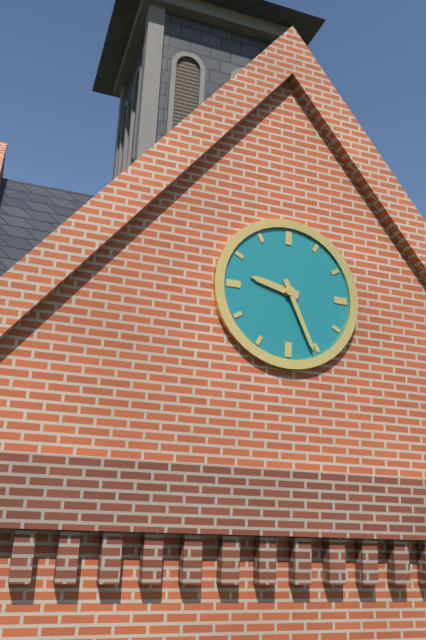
9:26
